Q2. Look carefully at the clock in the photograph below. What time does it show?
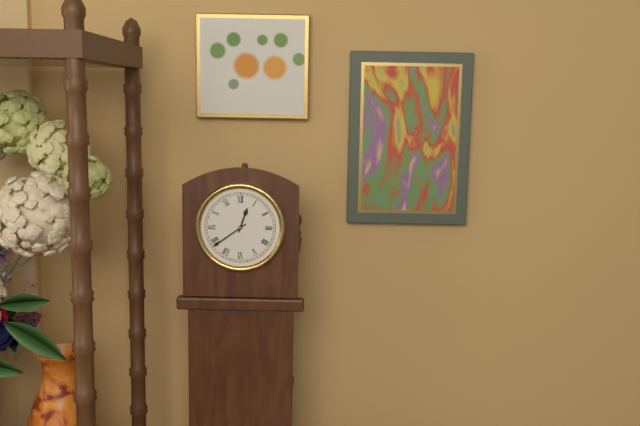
12:39
